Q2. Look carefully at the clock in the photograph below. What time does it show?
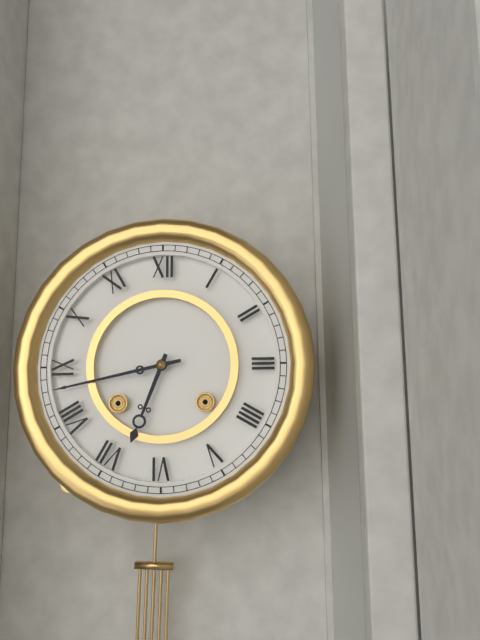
6:43
